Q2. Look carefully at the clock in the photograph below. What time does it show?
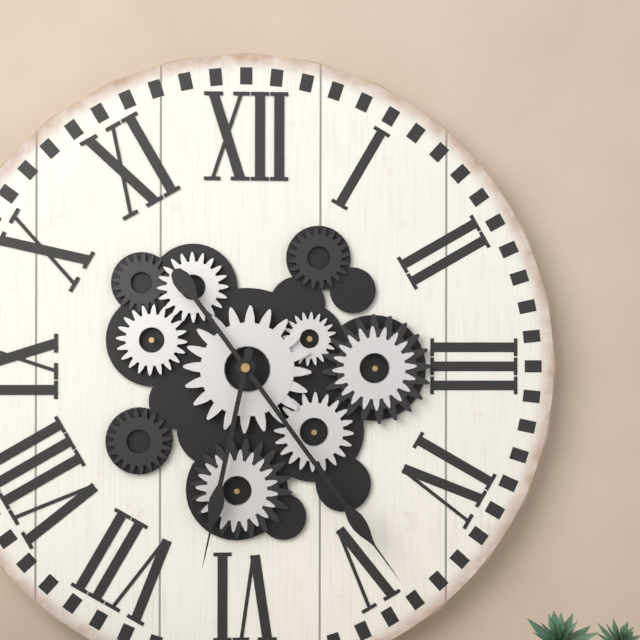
6:24
